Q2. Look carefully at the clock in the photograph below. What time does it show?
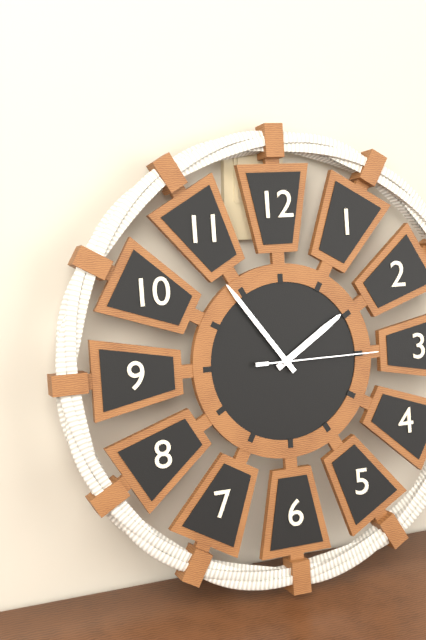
1:54:15
